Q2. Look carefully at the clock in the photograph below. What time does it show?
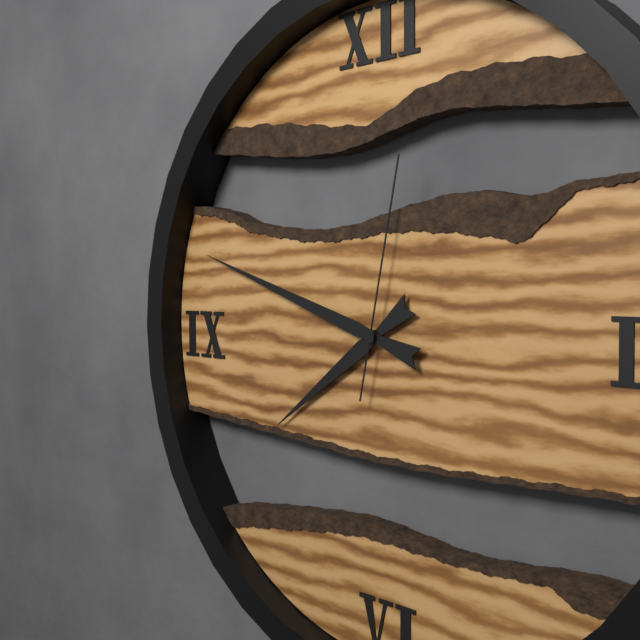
7:48:02
